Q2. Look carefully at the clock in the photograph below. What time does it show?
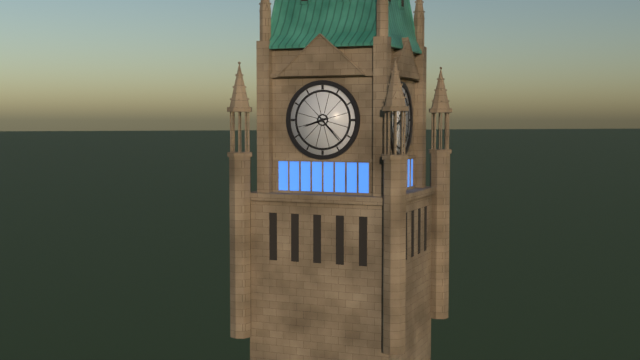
8:23
